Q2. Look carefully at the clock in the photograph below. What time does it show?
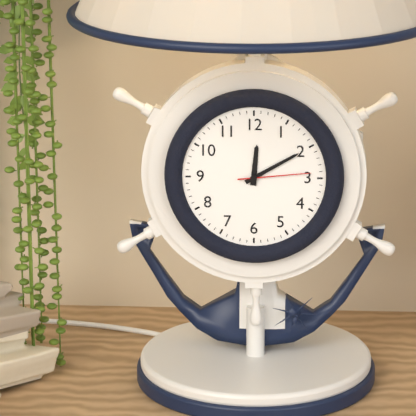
12:10:14
